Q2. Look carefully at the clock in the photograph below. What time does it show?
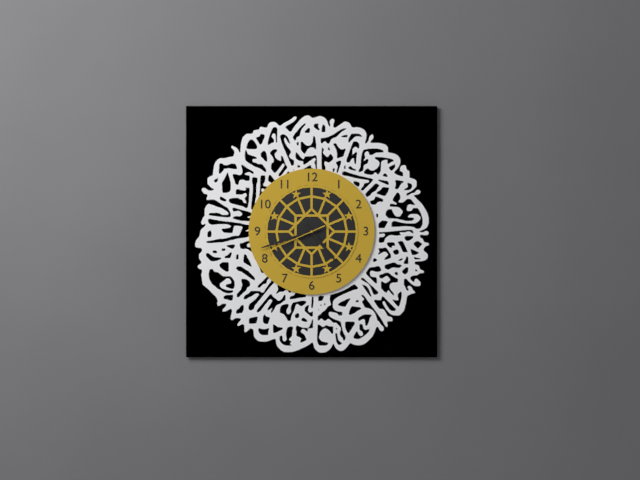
4:42:41
